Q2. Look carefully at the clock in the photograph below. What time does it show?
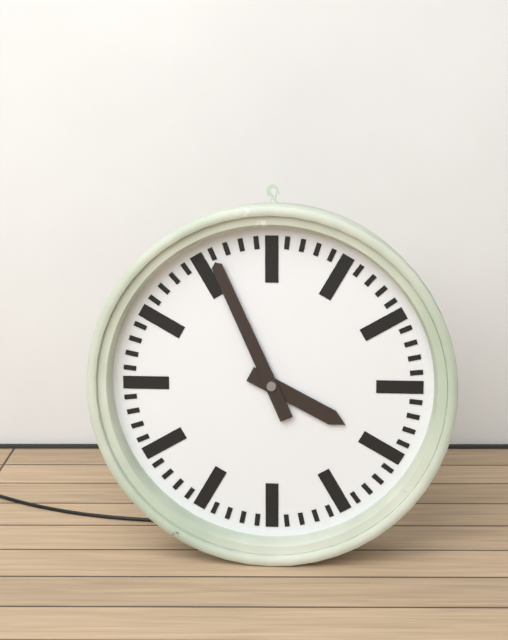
3:56
